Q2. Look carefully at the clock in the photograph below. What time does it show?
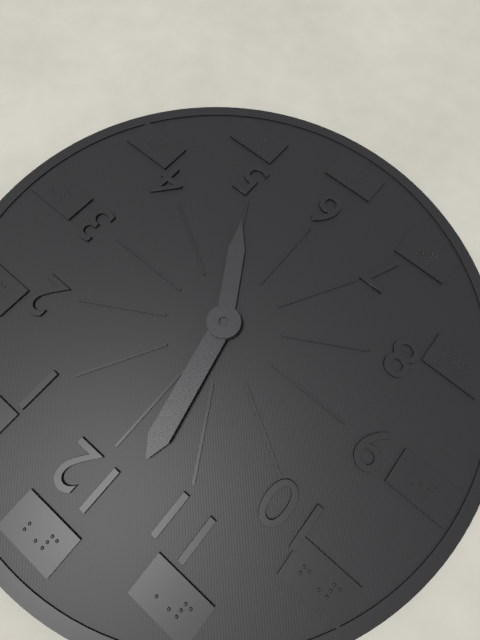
4:58
